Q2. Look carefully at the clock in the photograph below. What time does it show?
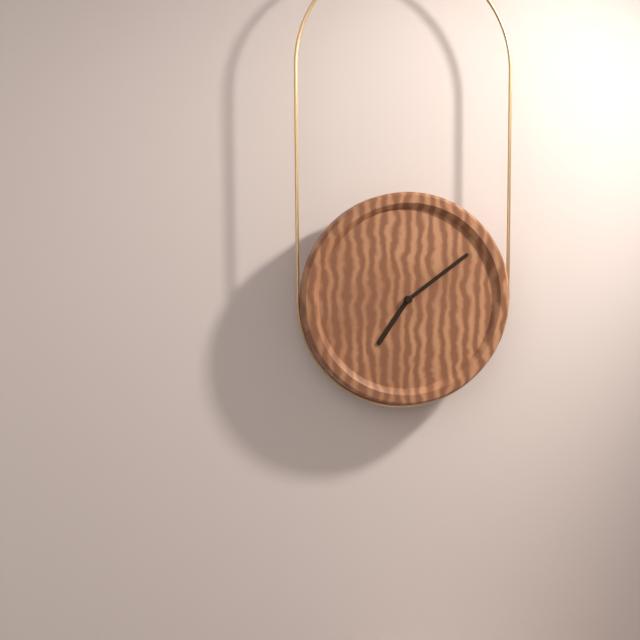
7:09
